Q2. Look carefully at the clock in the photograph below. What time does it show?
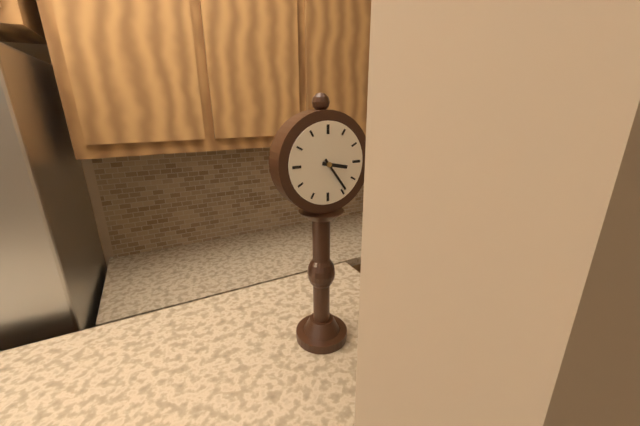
3:24
